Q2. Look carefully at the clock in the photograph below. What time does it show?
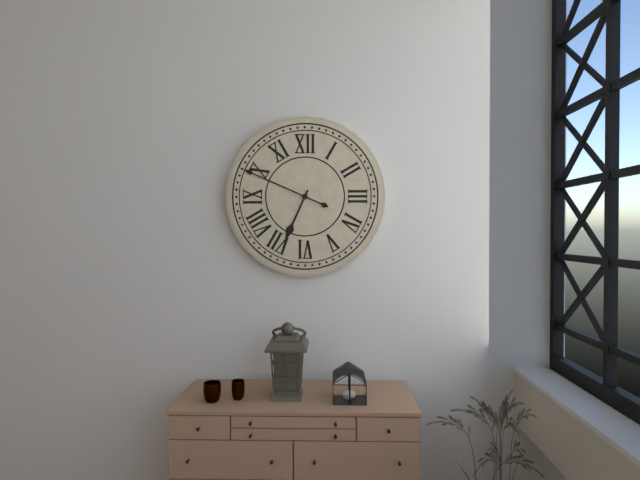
6:49
